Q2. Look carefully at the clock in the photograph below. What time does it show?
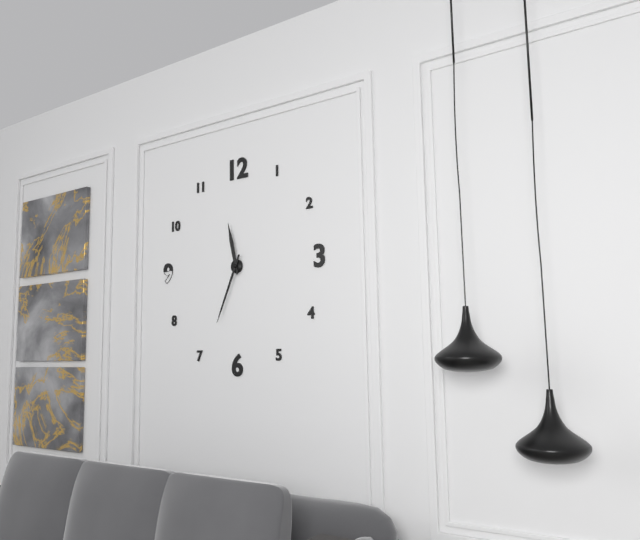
11:34
